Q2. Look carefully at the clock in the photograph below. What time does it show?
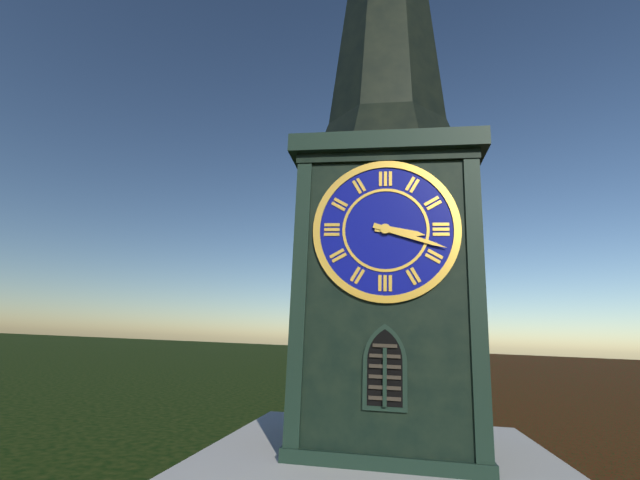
3:18
